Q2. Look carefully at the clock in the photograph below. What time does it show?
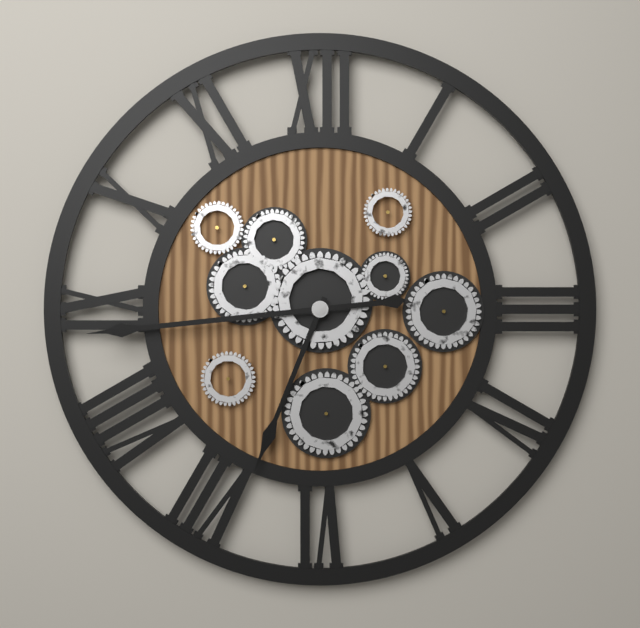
6:44
